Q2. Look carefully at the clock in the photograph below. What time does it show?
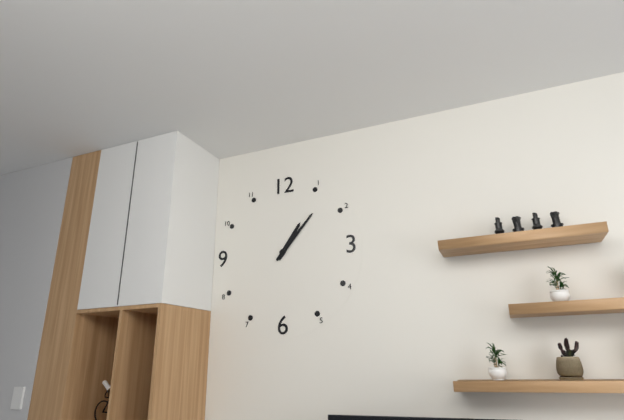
1:07
